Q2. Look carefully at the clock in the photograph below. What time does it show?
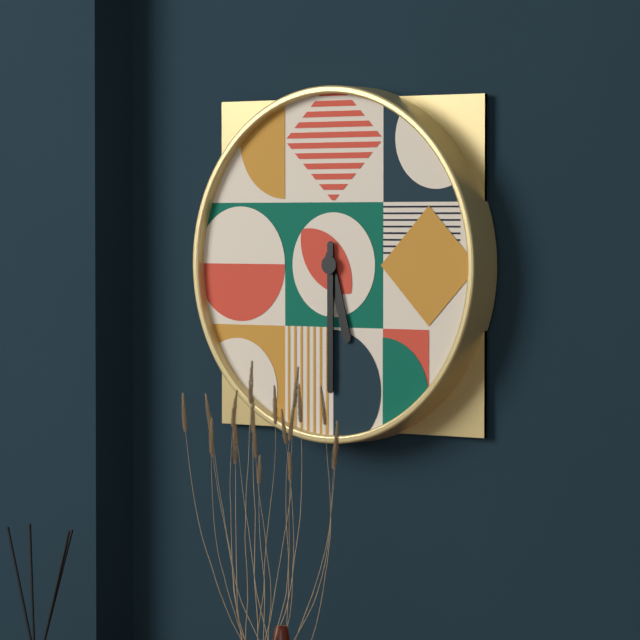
5:30
